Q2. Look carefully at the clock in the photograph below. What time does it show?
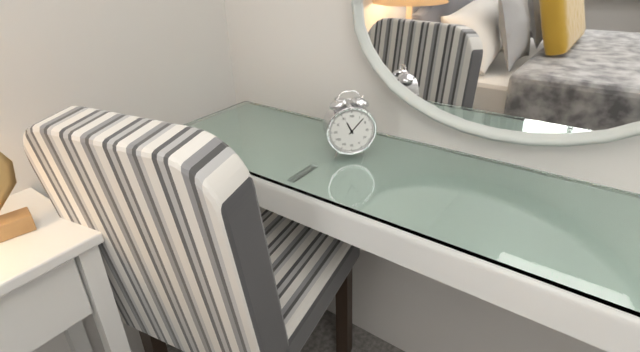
11:07
